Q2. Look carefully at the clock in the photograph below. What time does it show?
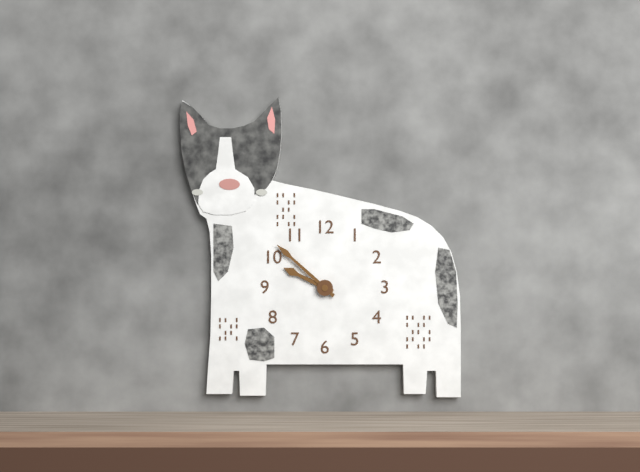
9:52
